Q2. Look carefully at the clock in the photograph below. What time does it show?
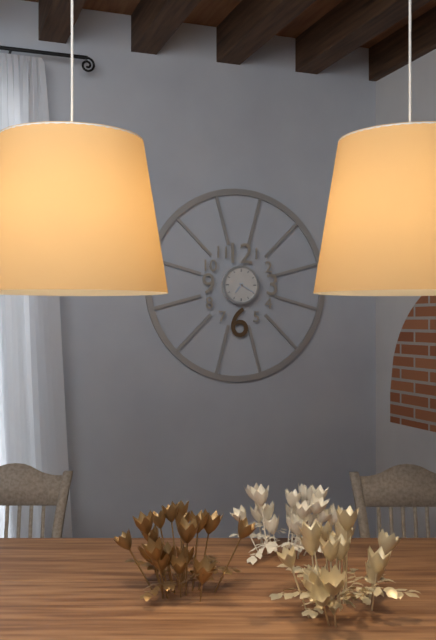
7:20
